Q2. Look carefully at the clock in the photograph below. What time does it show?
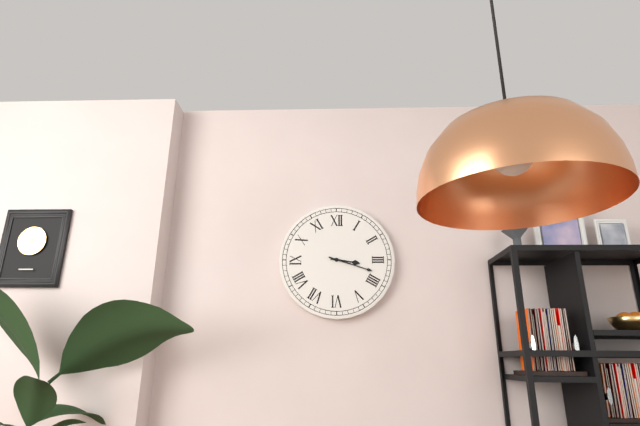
3:18
